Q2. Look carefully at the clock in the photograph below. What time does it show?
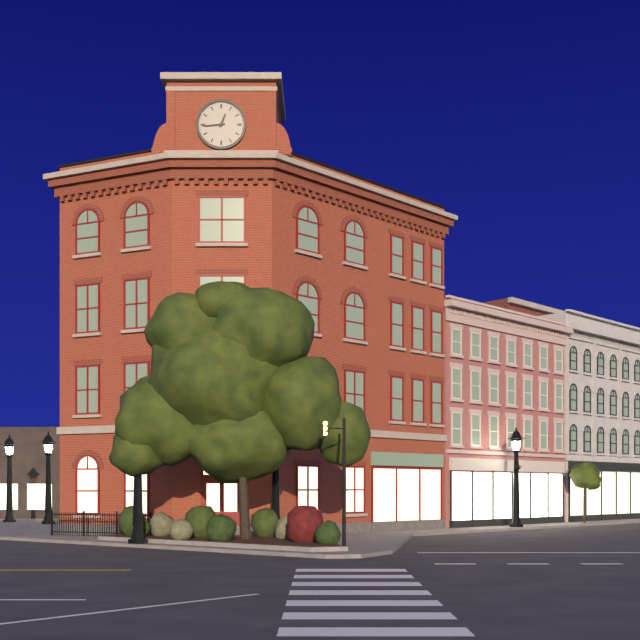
12:44
